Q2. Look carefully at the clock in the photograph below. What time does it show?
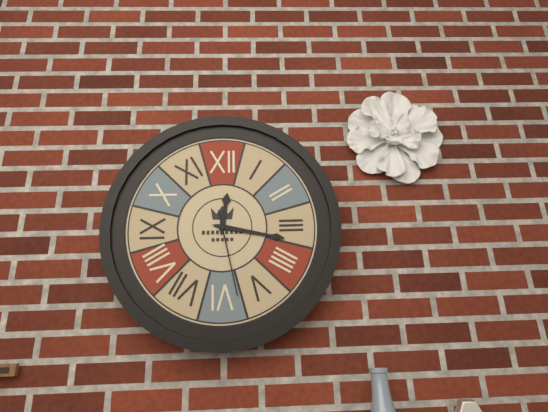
12:17:28
